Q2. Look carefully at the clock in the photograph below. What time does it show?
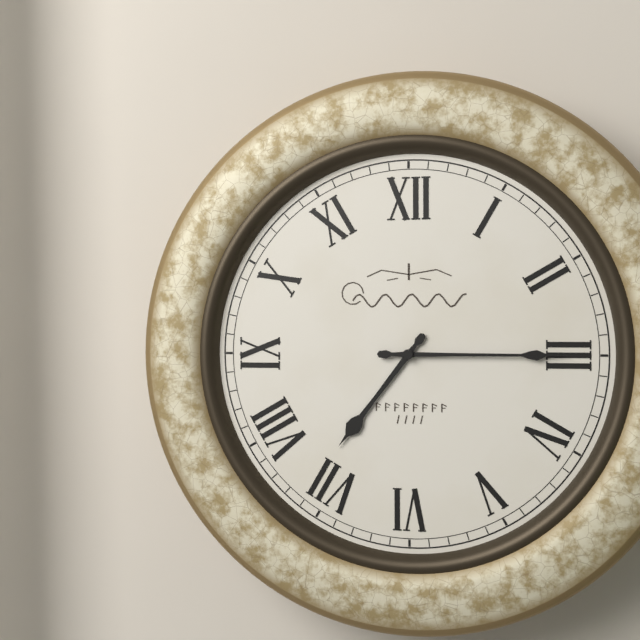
7:15
